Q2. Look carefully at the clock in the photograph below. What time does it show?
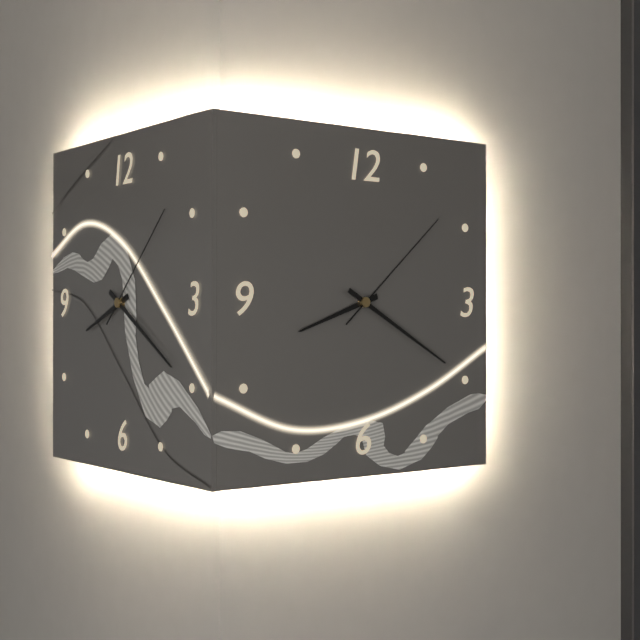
8:20:08
